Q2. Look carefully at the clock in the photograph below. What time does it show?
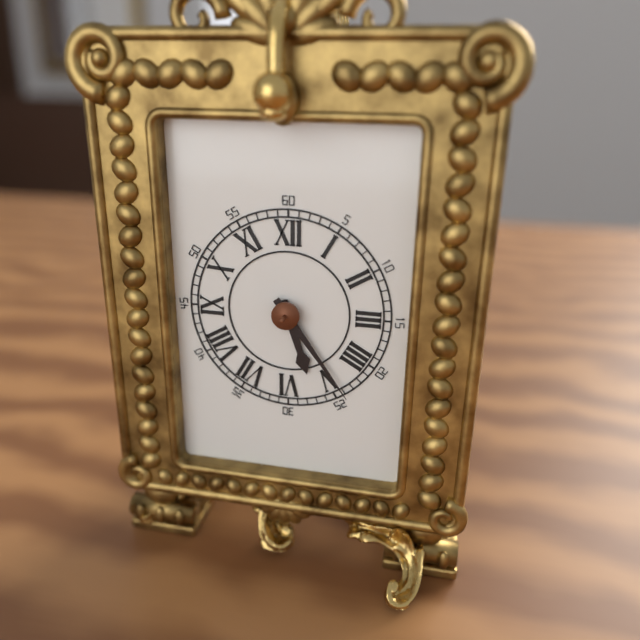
5:24
